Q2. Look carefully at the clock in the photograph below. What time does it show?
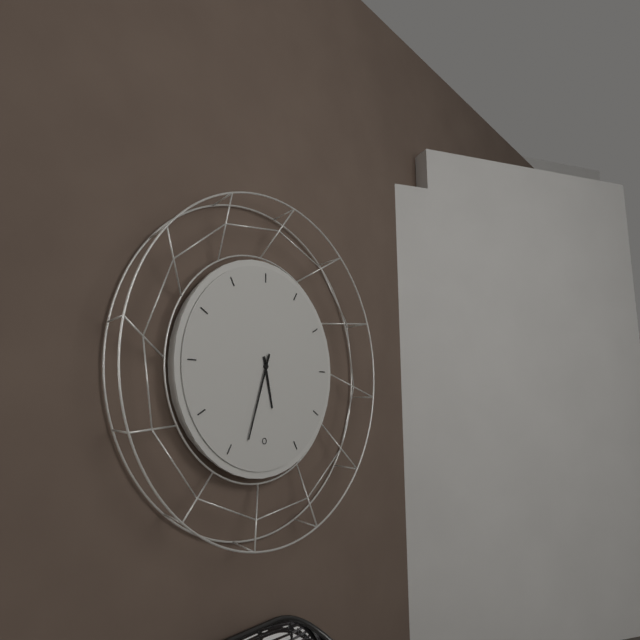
5:33
